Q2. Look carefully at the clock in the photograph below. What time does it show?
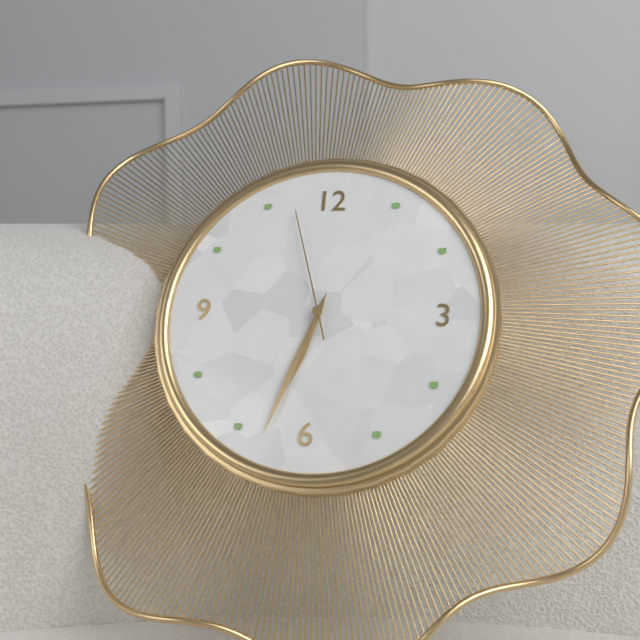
6:33:57
